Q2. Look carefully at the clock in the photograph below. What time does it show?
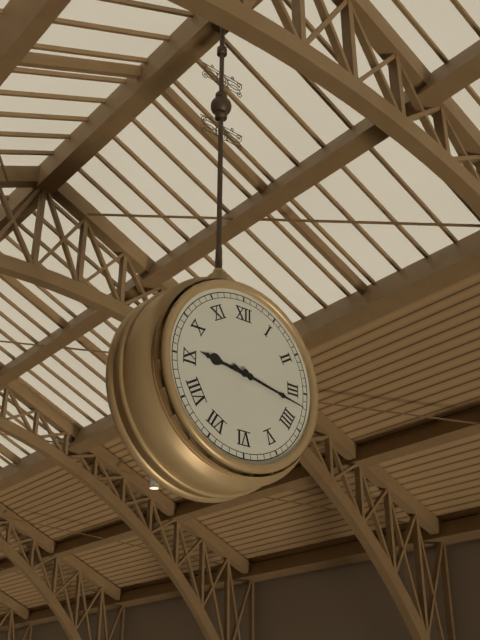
9:17
